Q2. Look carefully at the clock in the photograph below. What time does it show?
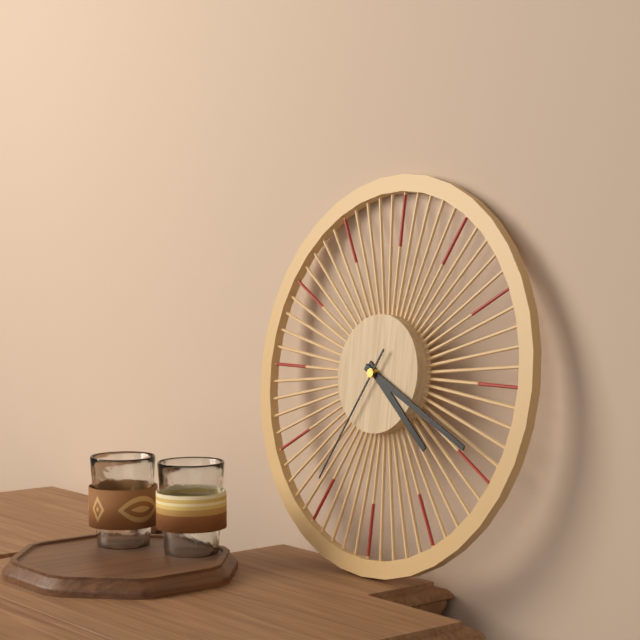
4:19:35
